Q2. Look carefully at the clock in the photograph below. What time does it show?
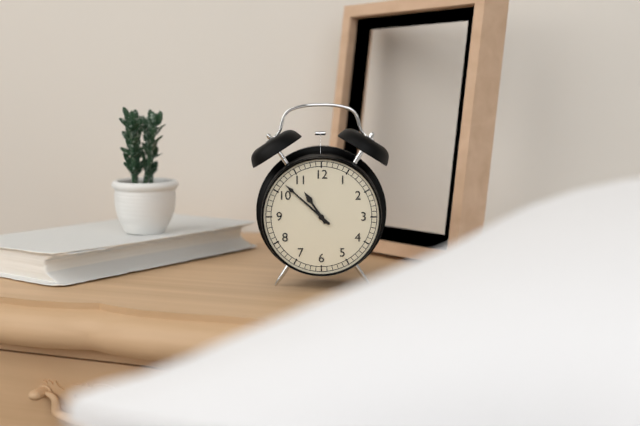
10:52
